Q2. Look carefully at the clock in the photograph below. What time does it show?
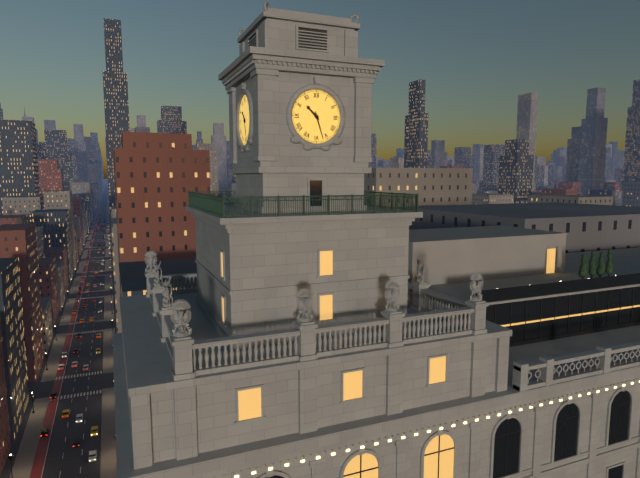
10:27
